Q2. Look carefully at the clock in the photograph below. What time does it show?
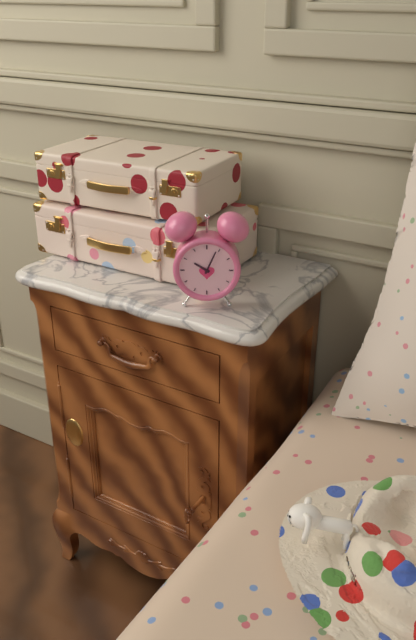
10:04
